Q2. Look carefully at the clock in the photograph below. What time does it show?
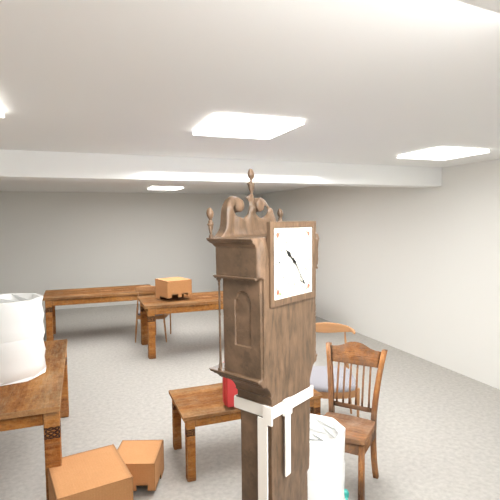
10:24
